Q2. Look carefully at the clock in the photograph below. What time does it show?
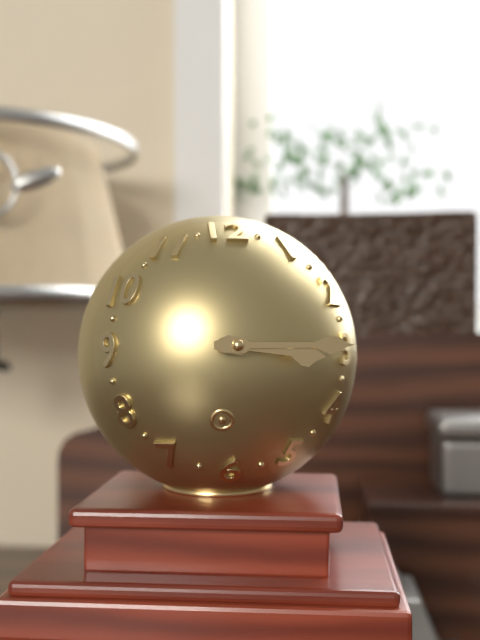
3:15
